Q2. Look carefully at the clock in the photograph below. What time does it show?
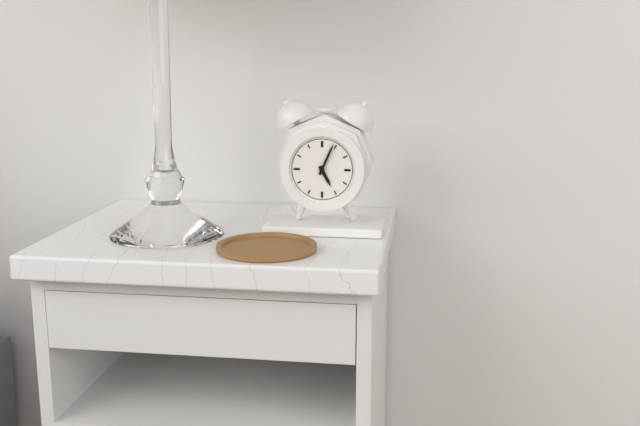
5:04
